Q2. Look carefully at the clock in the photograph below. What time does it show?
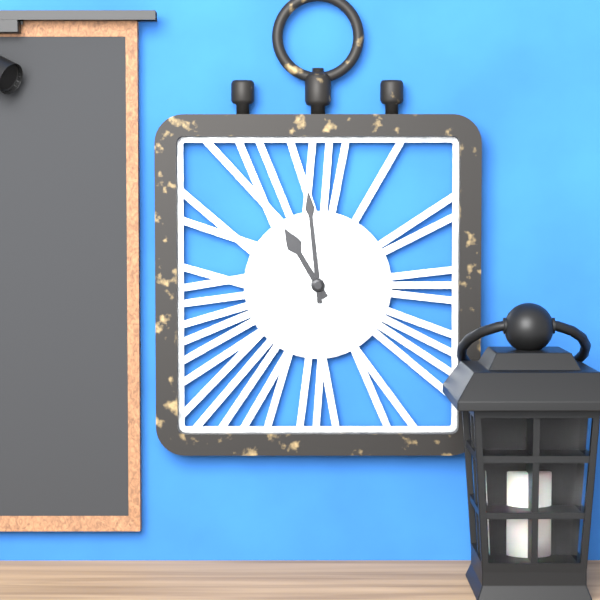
10:59
